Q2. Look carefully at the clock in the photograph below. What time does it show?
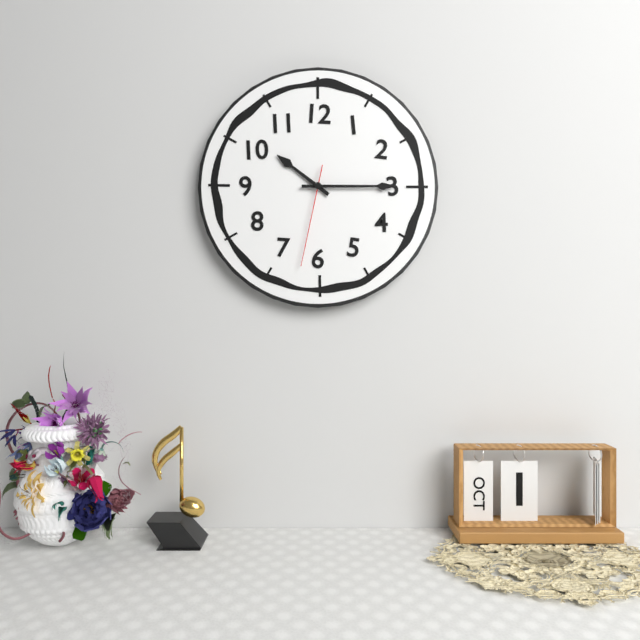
10:15:32
